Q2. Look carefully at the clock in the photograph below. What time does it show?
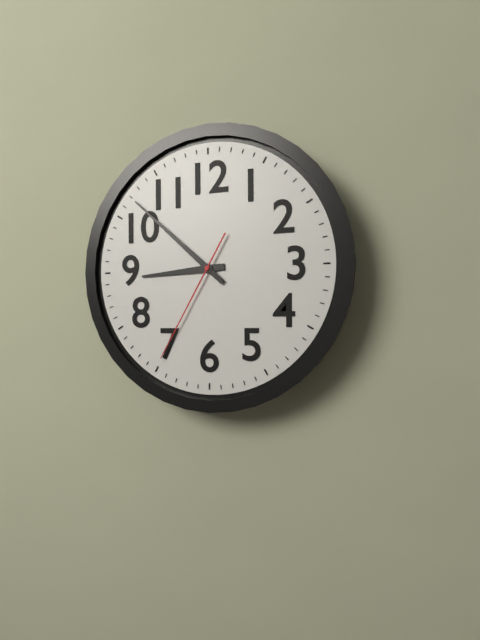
8:52:35
